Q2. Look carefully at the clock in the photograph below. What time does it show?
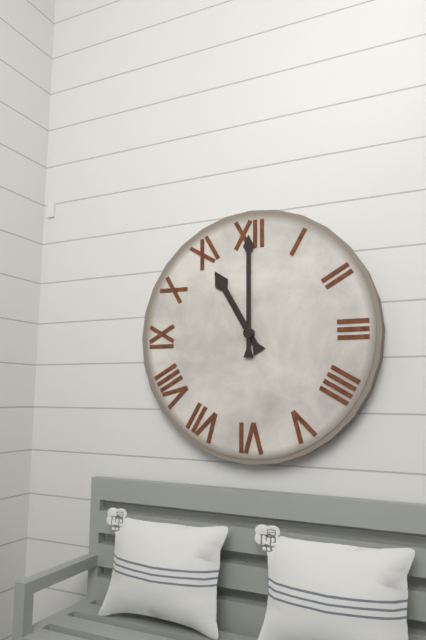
11:00
